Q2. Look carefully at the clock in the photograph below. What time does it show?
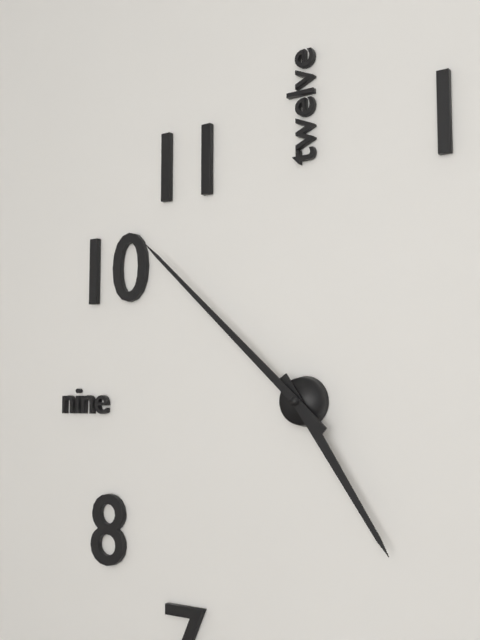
4:52
